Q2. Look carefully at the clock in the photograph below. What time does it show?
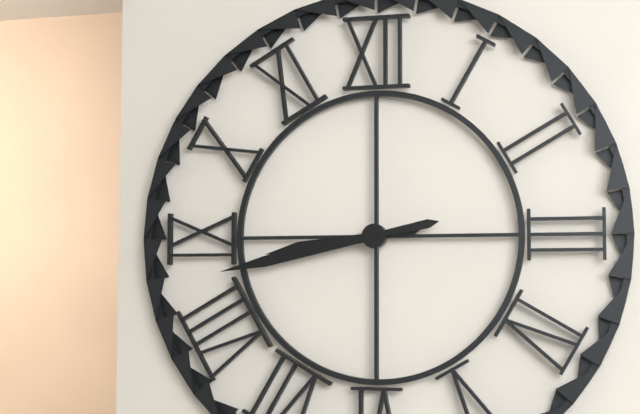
8:43
